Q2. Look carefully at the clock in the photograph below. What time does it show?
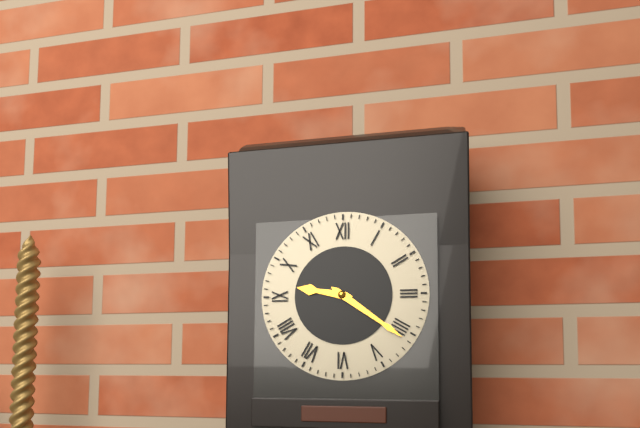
9:21
